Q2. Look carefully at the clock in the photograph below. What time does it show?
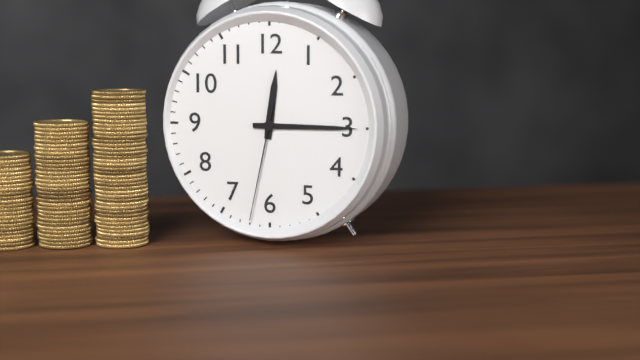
12:15:32
